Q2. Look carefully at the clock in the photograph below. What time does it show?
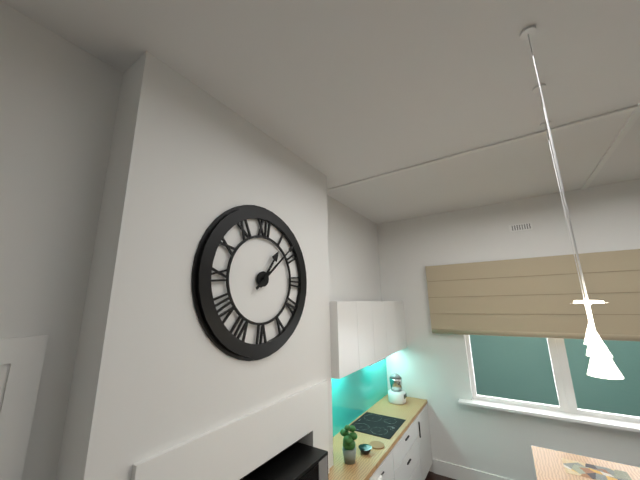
1:08
